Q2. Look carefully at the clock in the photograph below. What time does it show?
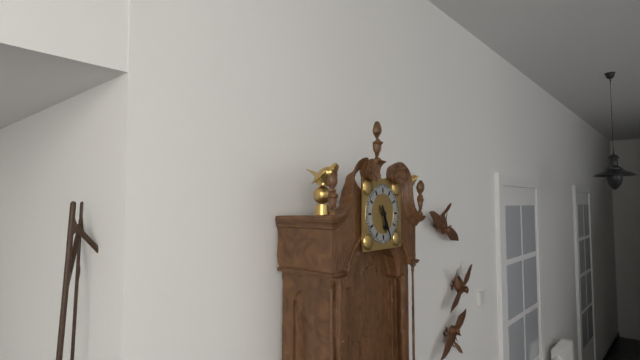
5:26
